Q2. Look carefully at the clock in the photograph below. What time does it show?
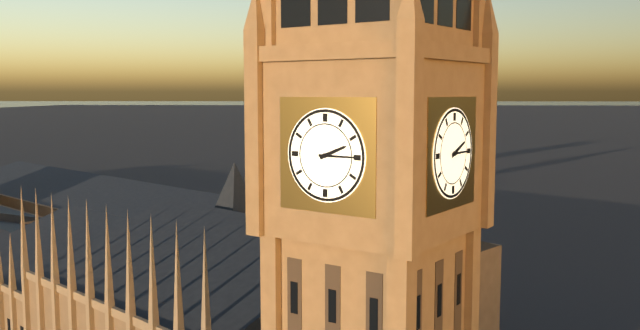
2:15
